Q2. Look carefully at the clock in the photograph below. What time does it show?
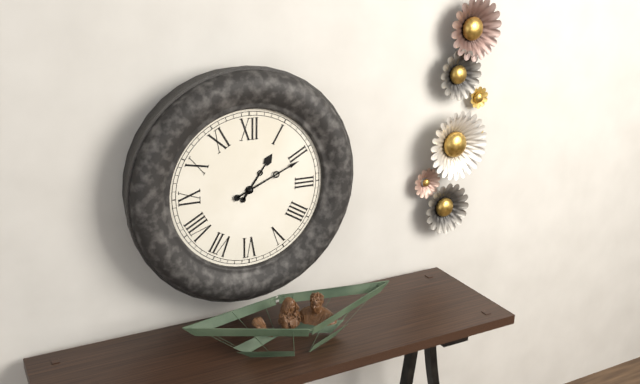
1:11
